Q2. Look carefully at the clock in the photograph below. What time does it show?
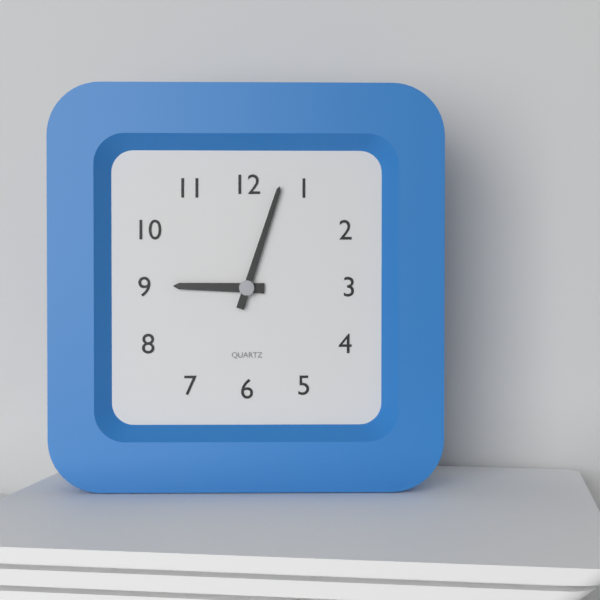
9:03
